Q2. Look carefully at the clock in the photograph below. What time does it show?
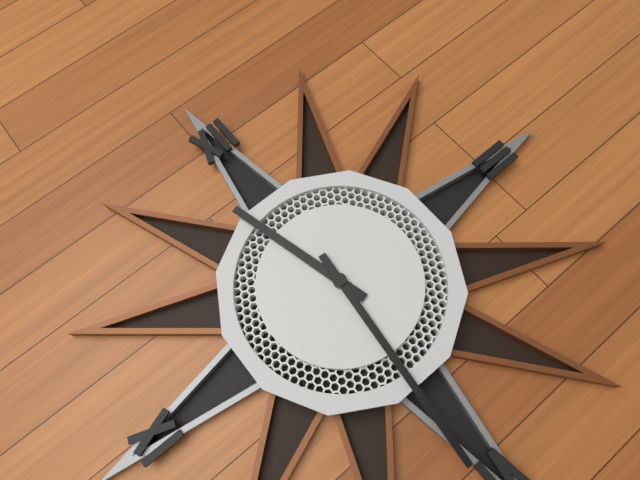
11:31
